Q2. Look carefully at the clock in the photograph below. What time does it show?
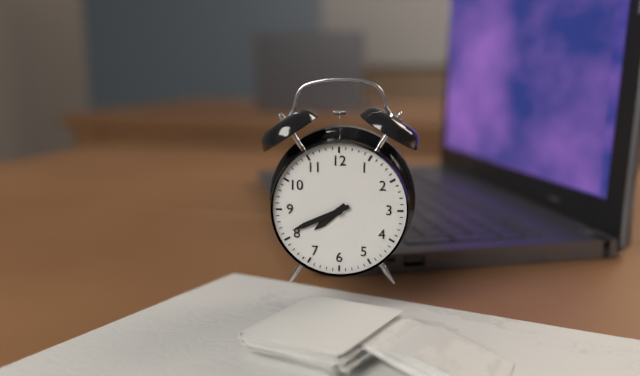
7:41
